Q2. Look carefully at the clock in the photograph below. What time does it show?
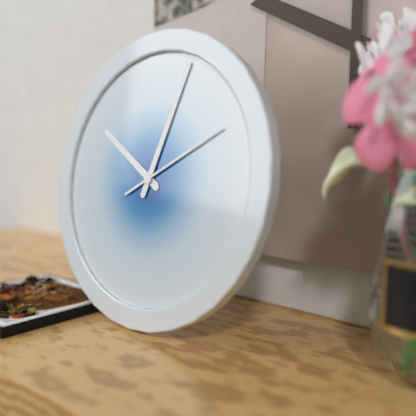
10:03:10
